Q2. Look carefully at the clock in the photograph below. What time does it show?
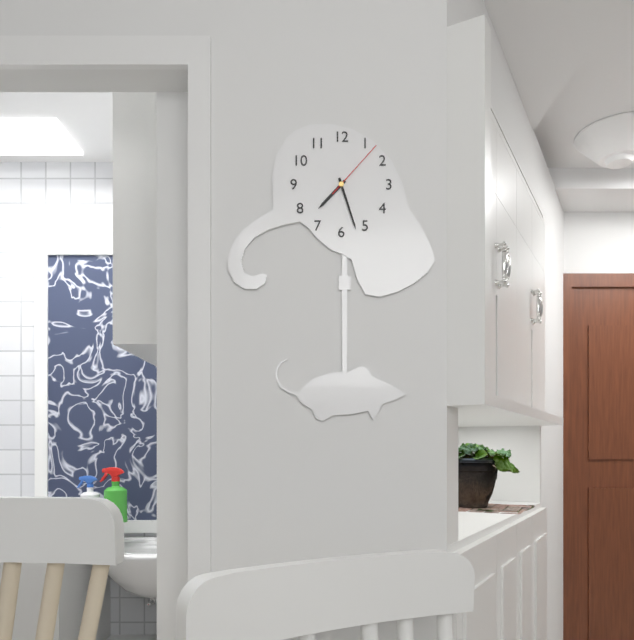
7:27:07
